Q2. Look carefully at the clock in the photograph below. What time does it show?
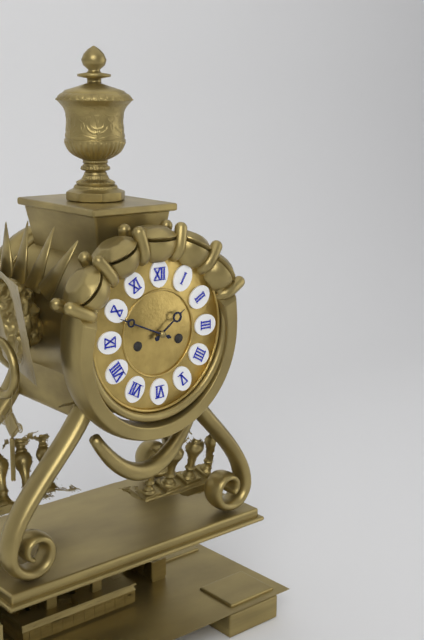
1:49
